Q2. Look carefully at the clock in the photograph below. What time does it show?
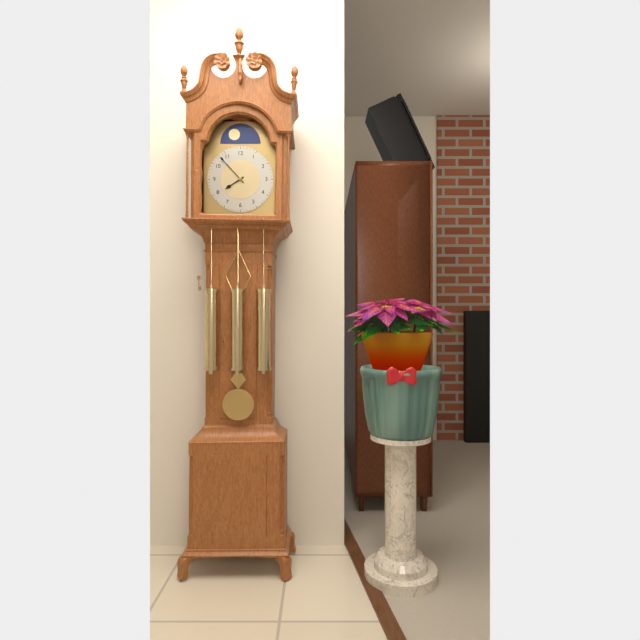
7:53
